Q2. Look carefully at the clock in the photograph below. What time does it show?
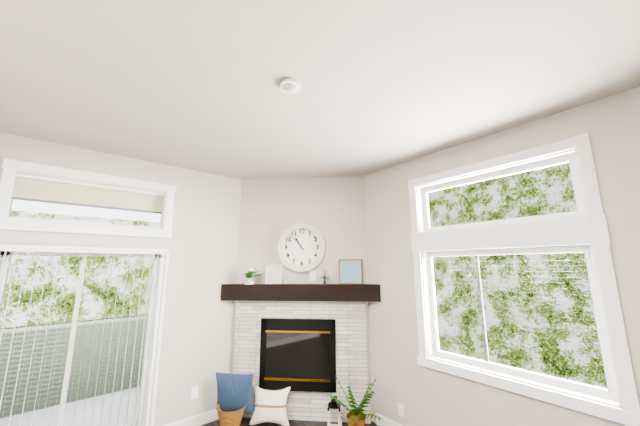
10:53
